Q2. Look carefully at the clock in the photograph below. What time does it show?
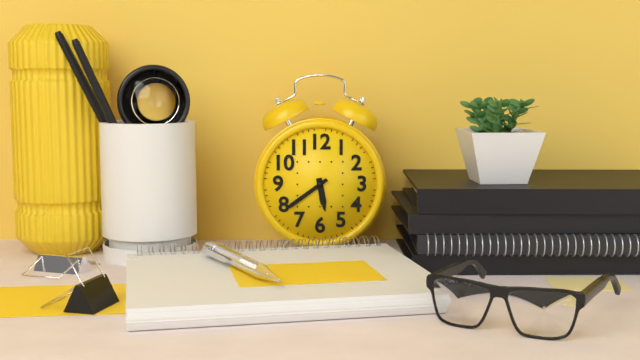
5:39
